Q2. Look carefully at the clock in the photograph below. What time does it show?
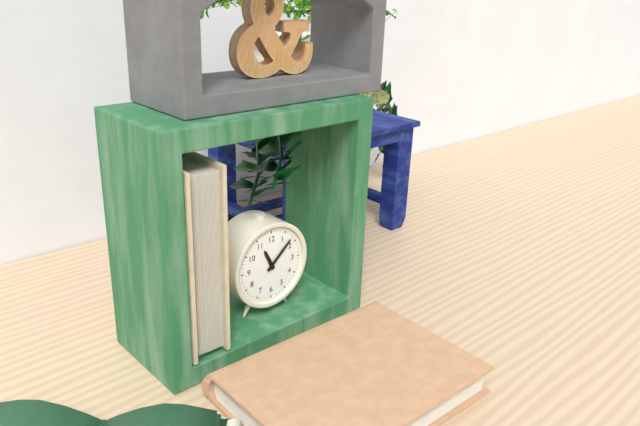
11:08
